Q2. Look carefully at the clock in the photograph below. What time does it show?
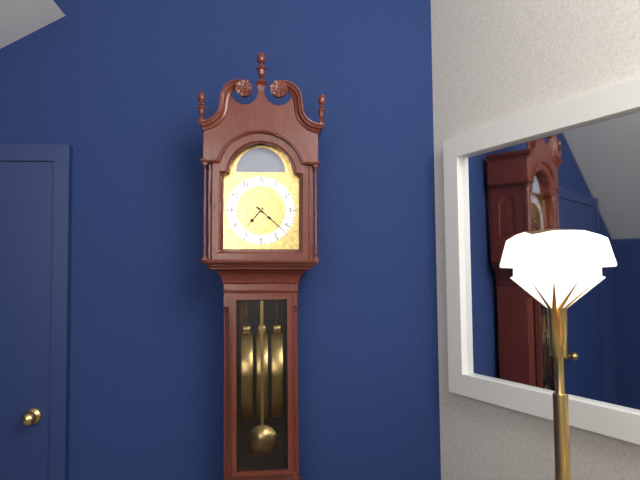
7:22
